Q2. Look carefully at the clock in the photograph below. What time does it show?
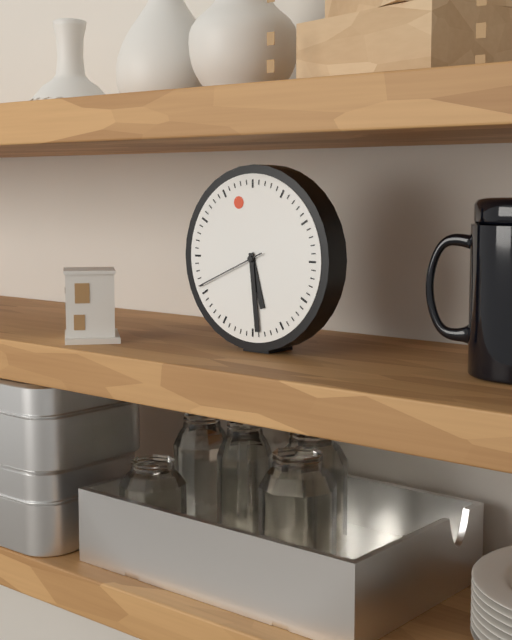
5:29:41
